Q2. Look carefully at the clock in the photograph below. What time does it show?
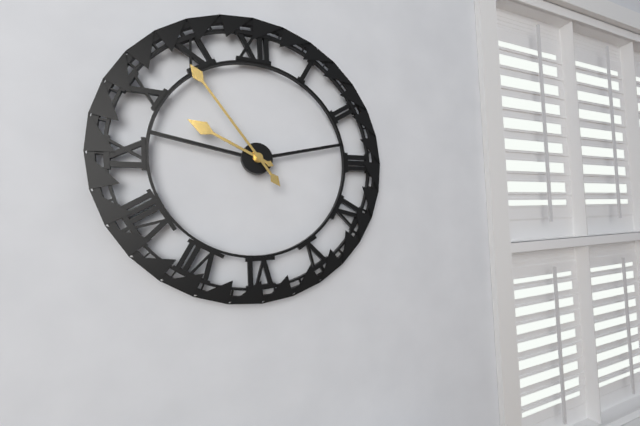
9:54
